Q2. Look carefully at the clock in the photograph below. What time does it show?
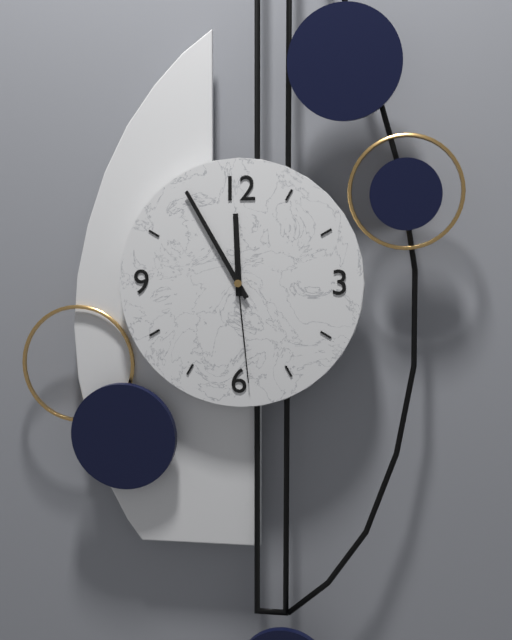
11:55:29
